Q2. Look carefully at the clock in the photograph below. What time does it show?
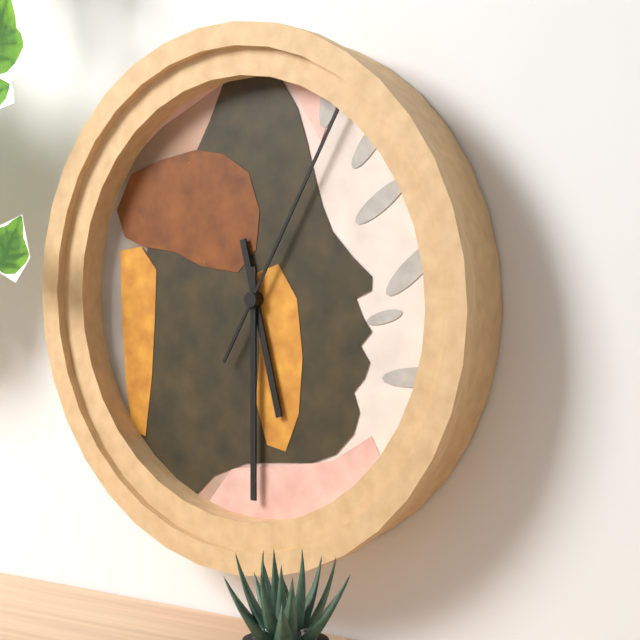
5:30:05
